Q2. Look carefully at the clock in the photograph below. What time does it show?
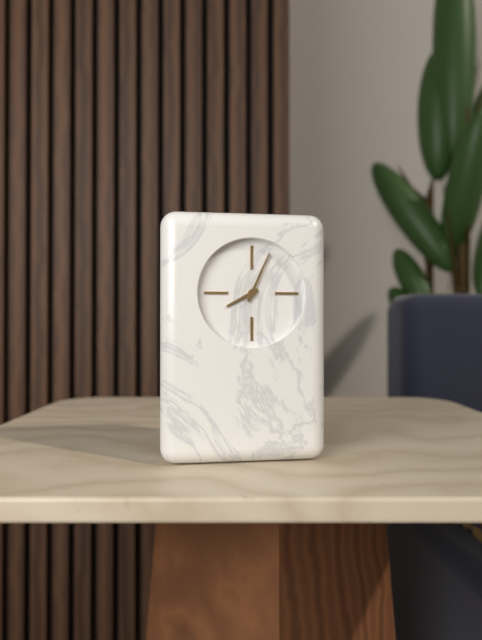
8:04
